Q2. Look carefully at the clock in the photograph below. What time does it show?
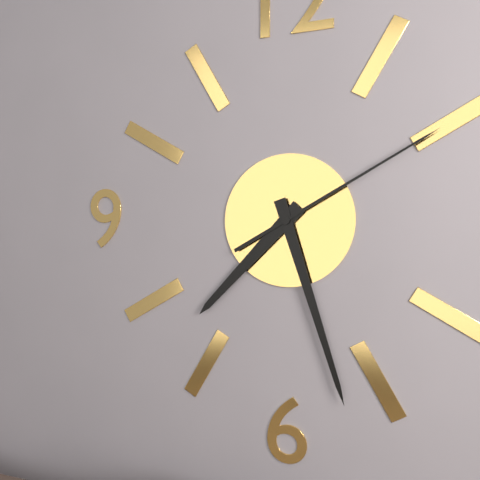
7:27:10
